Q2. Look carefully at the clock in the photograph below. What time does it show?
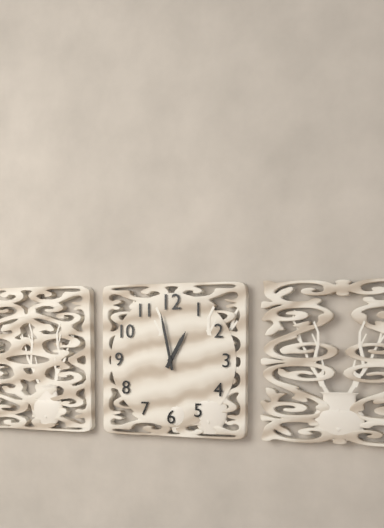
12:58
